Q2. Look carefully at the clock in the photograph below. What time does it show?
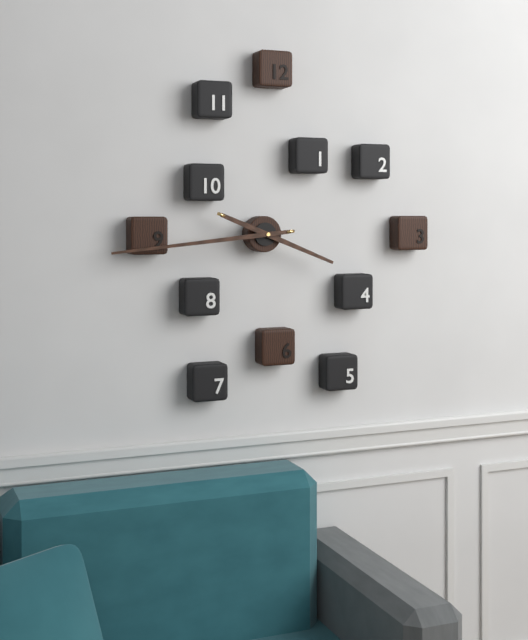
3:44
